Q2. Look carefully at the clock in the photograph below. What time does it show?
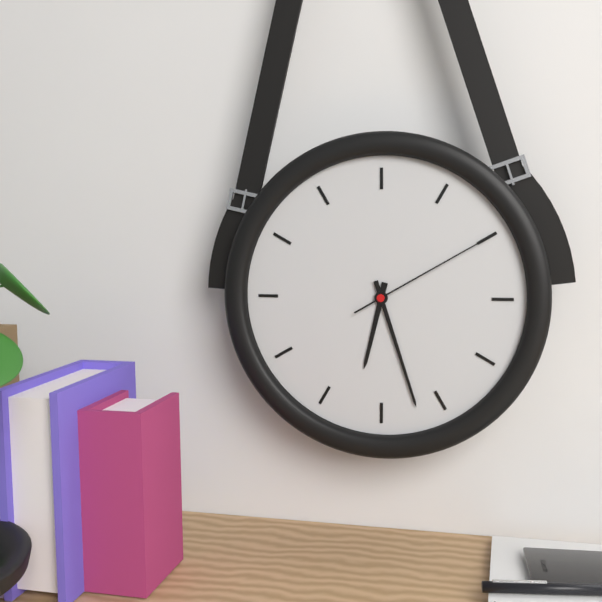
6:27:10
